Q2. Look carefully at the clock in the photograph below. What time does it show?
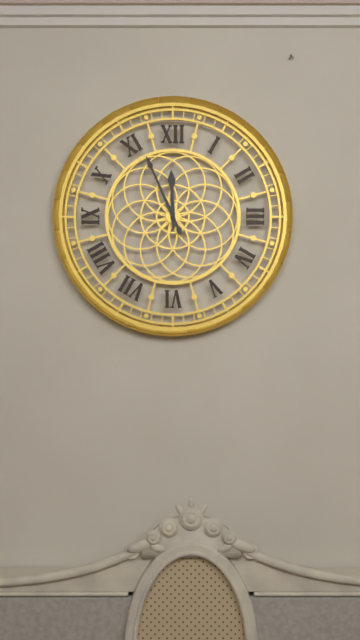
11:56
